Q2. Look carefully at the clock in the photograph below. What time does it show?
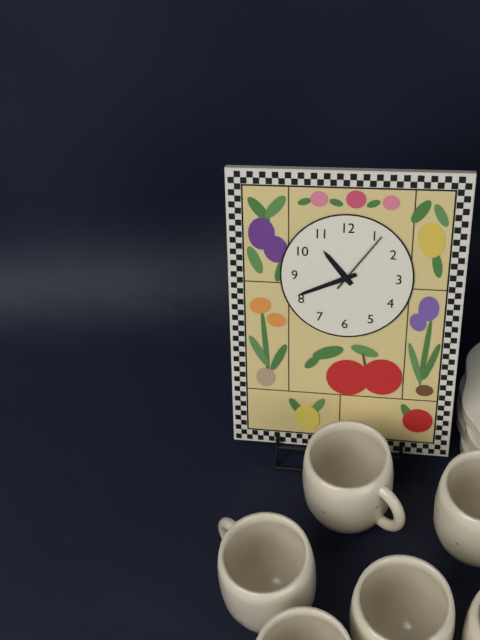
10:41:06
